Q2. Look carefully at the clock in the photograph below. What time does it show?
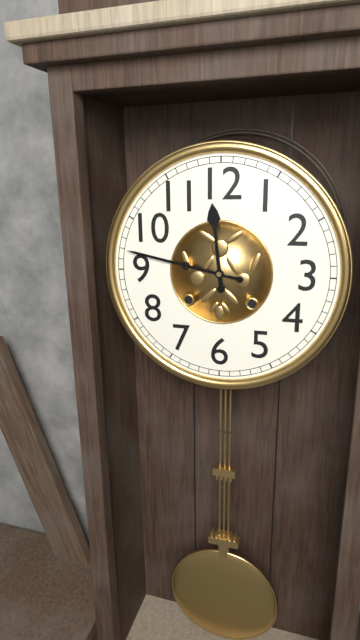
11:47
